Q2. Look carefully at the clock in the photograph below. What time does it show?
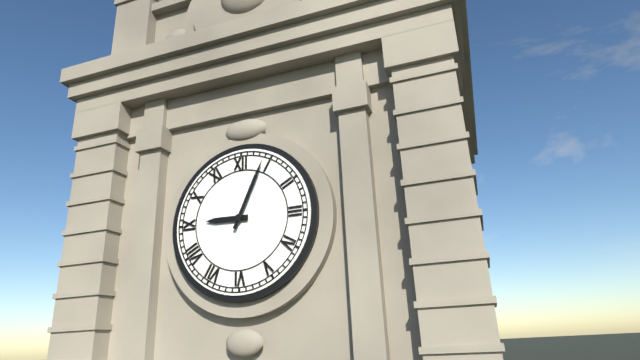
9:04
